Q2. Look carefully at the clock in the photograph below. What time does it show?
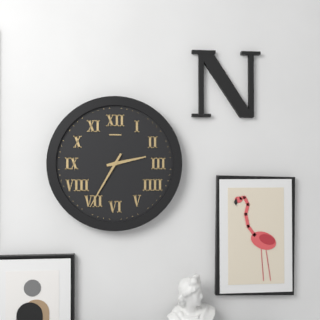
2:35
